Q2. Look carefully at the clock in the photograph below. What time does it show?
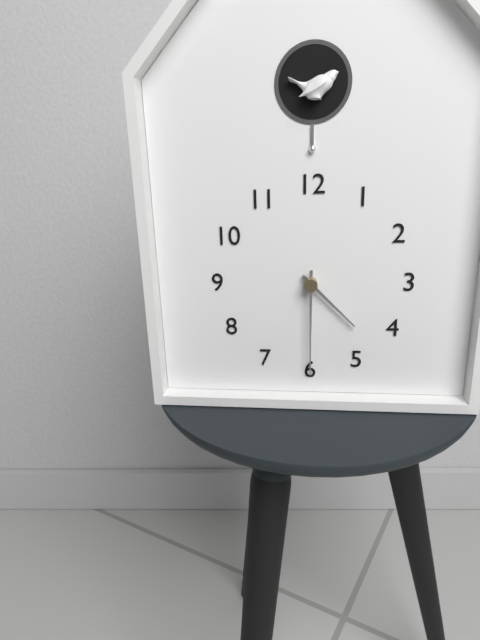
4:30
